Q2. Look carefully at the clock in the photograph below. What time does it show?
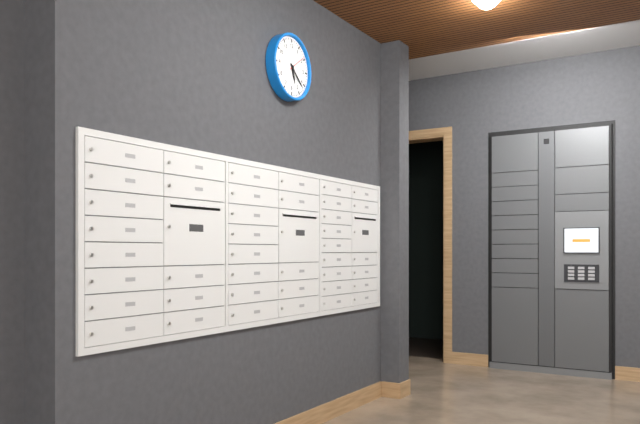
5:22
